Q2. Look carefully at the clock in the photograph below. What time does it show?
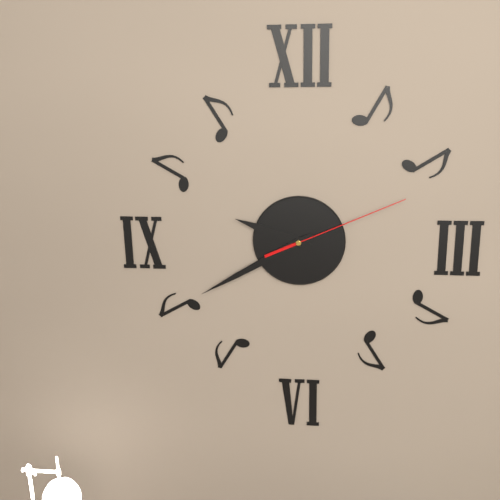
9:40:11
